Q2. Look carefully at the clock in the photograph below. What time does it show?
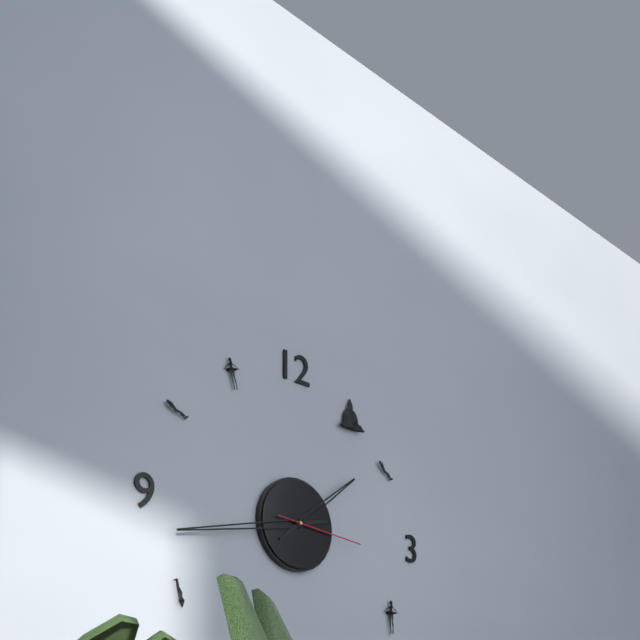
1:43:16
